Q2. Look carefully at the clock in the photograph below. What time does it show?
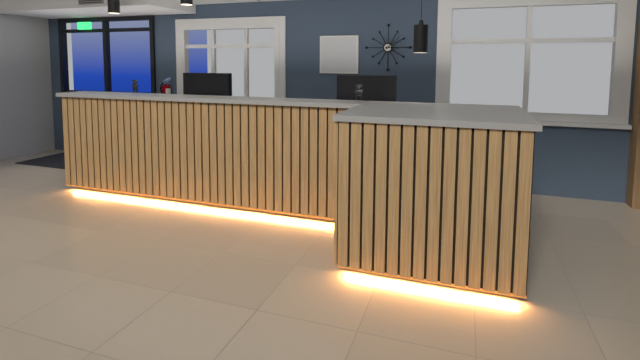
3:08
